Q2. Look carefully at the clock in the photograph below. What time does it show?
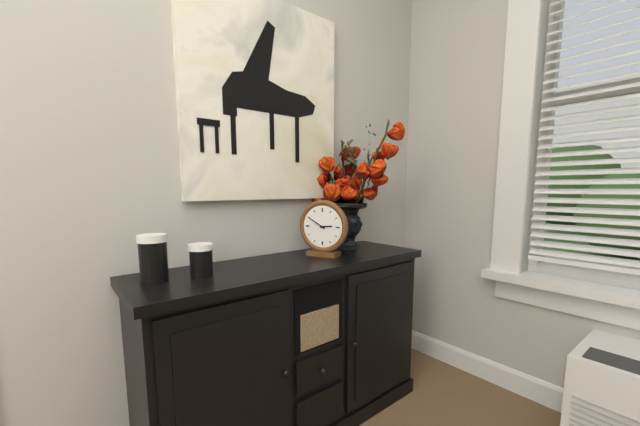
2:50
